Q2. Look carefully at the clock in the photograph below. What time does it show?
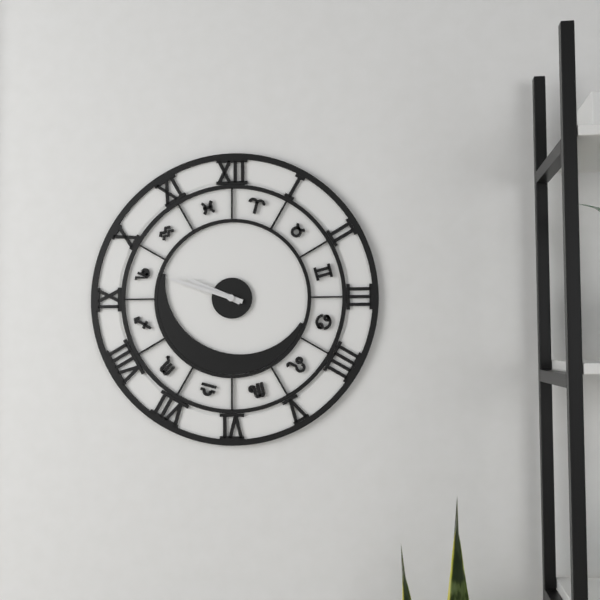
9:48
